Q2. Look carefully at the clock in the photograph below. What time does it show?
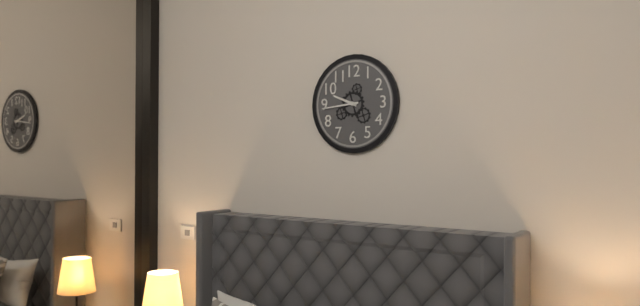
9:44
